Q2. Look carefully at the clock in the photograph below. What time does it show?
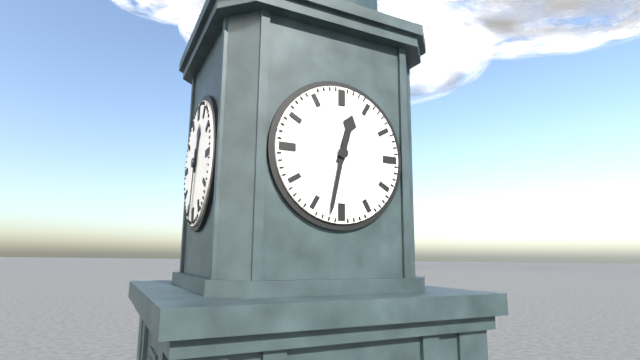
12:32
